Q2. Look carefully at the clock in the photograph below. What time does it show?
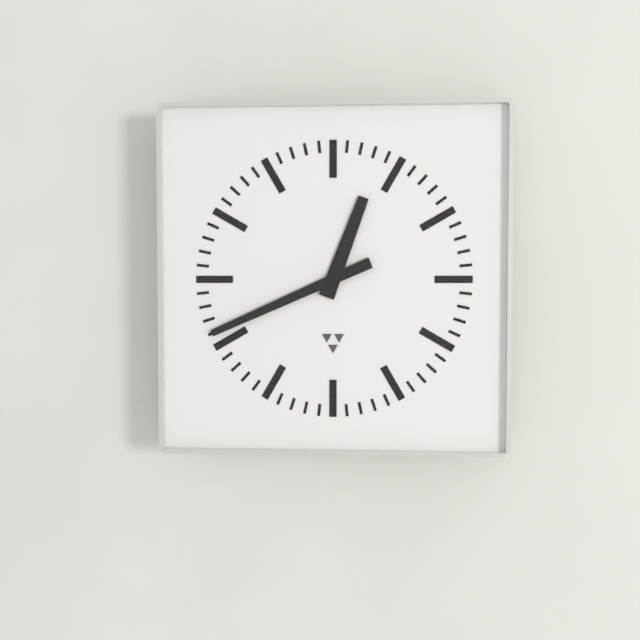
12:41
